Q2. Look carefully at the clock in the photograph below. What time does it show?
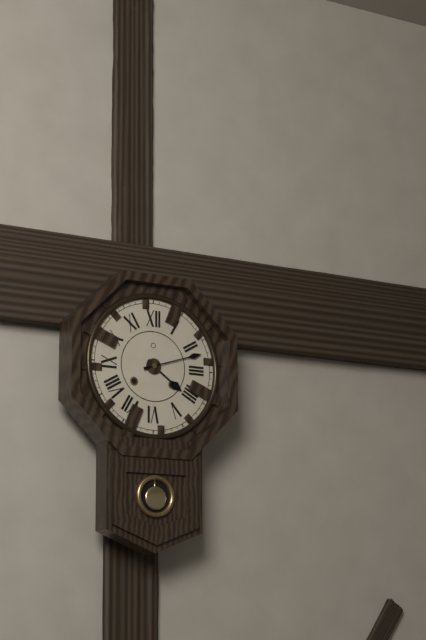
4:12
